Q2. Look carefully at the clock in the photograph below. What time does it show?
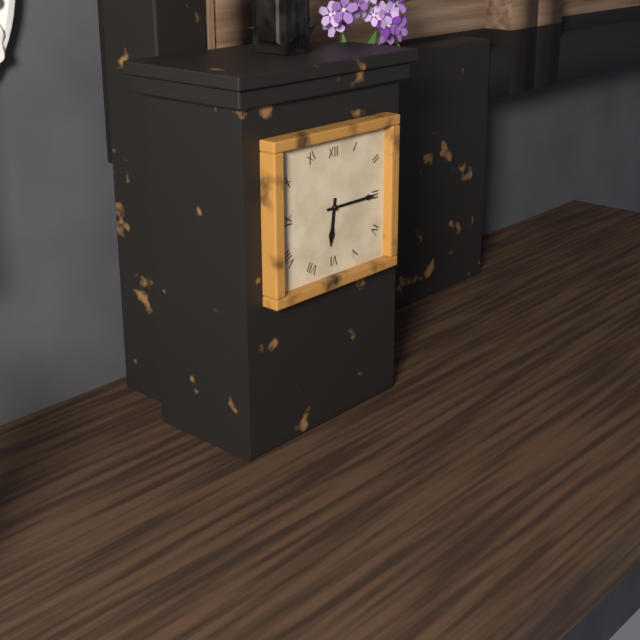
6:15
